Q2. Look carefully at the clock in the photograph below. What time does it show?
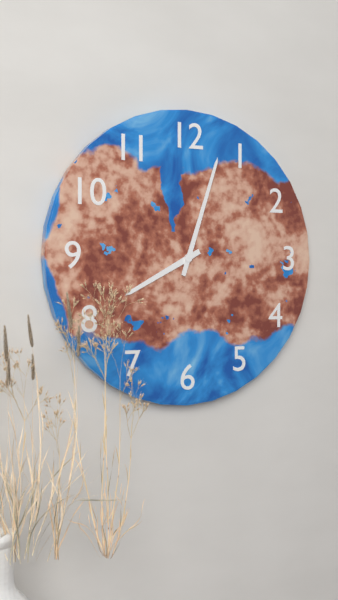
8:03
